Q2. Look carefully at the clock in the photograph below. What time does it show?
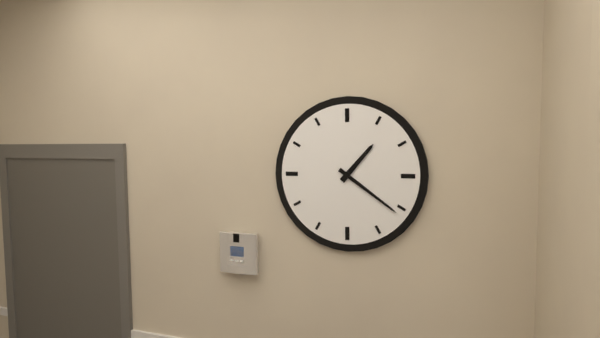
1:21
